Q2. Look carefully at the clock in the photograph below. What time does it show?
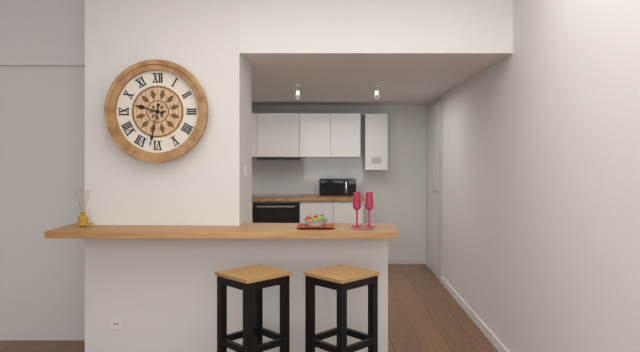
9:32
